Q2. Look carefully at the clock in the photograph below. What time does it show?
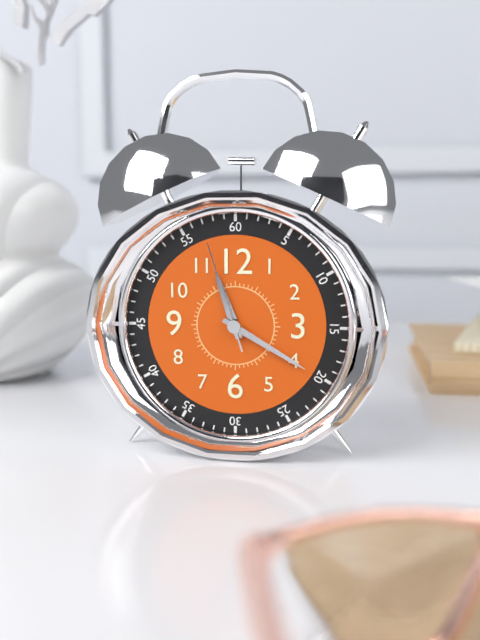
11:20:57
